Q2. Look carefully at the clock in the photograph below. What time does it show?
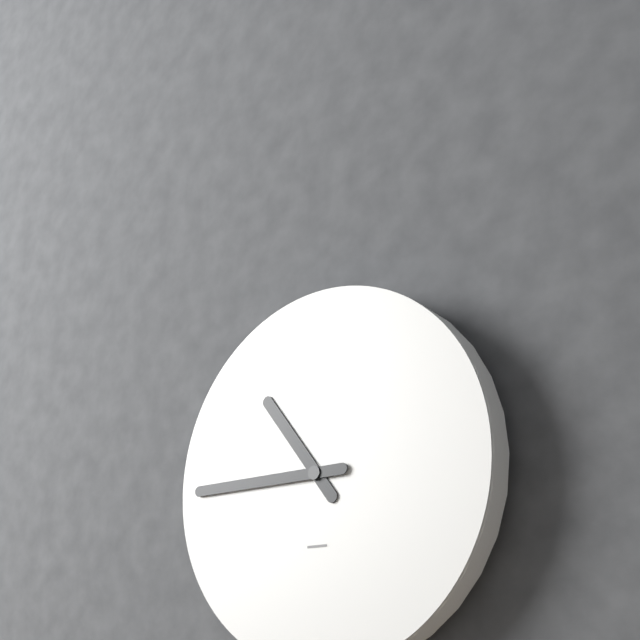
10:45
